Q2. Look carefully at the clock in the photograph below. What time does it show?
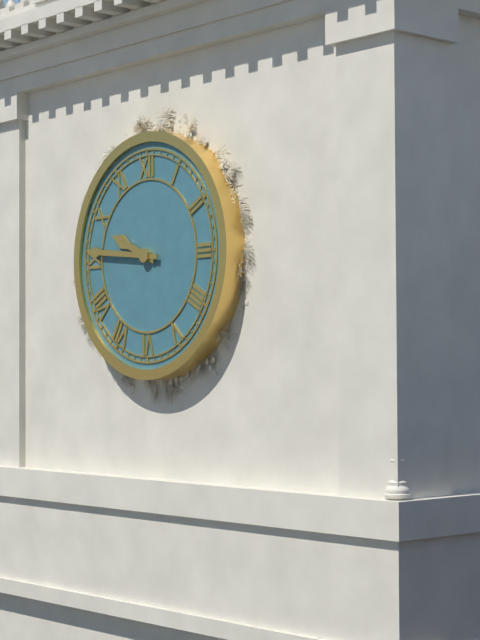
9:46
